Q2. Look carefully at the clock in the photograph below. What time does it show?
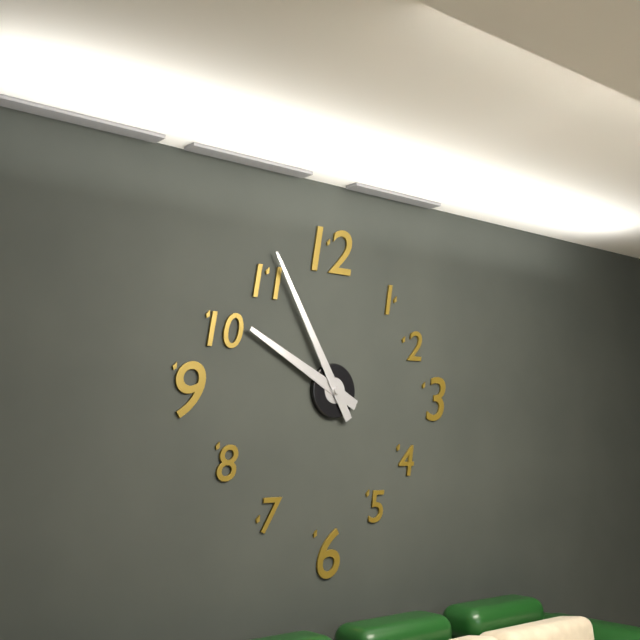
9:55
